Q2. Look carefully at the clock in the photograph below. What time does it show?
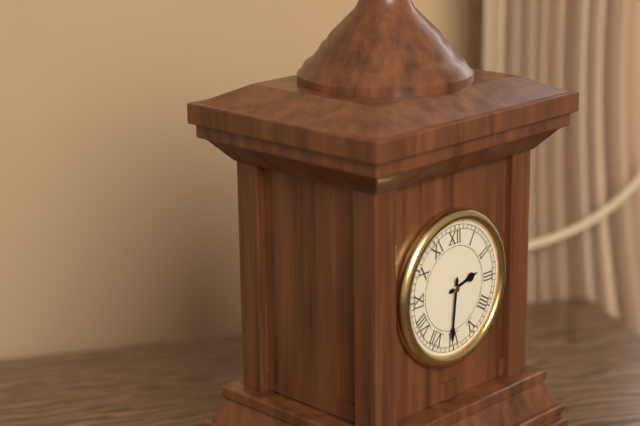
2:31
